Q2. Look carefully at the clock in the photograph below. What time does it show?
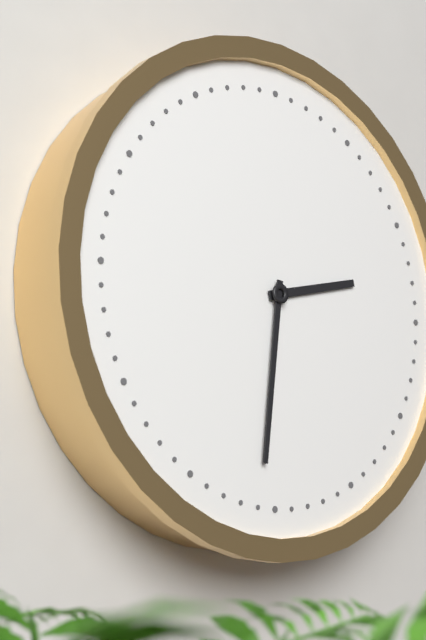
2:31
